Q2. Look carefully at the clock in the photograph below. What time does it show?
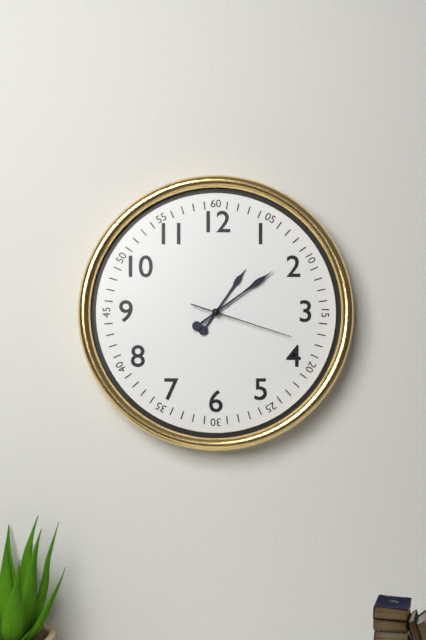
1:09:18
